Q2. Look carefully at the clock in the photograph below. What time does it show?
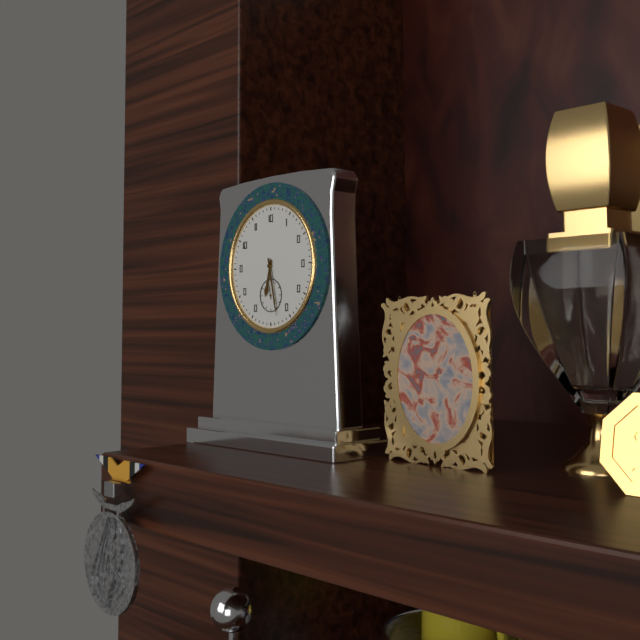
6:28
